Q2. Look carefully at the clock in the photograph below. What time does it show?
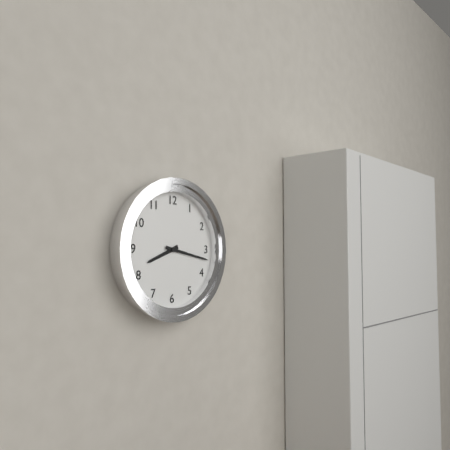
8:17
